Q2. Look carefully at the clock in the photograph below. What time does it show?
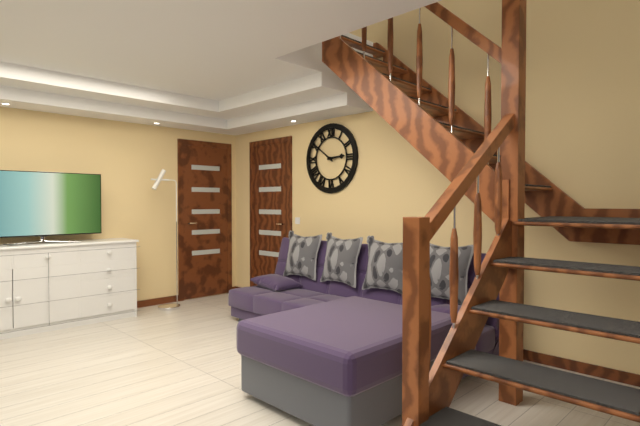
2:51
